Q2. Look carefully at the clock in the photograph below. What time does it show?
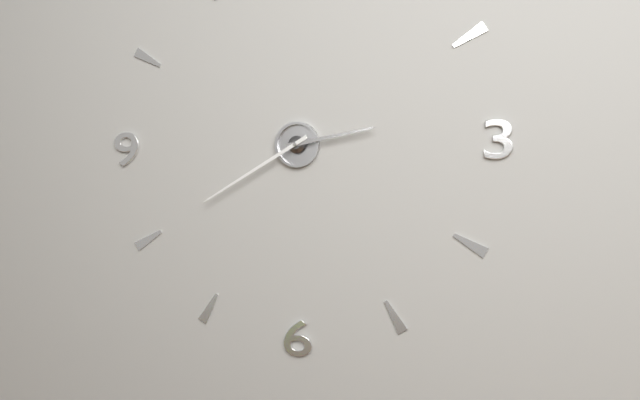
2:40
